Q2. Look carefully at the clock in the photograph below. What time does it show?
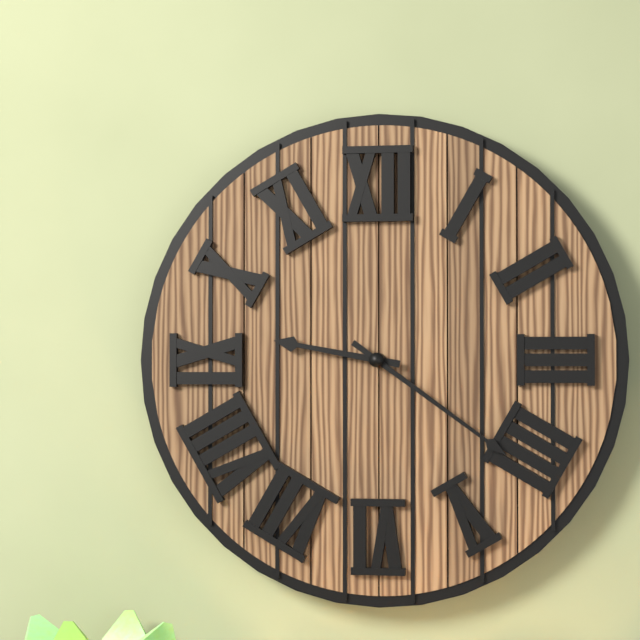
9:21
